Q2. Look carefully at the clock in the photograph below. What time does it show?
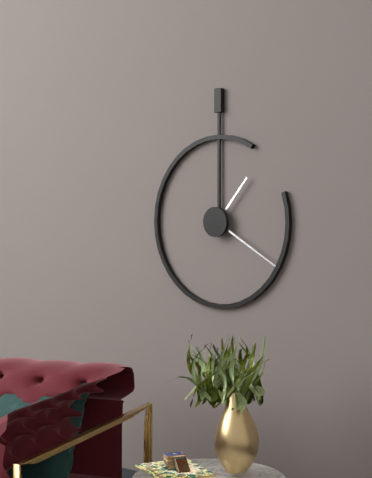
1:20
